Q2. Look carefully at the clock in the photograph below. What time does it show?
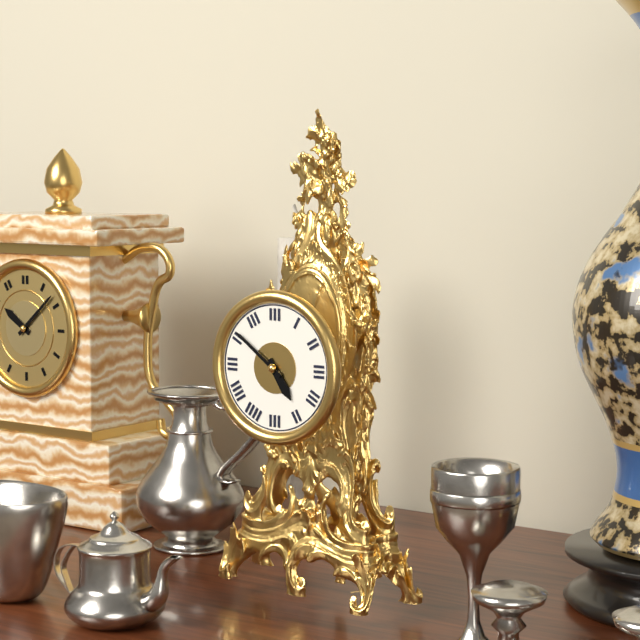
4:51
